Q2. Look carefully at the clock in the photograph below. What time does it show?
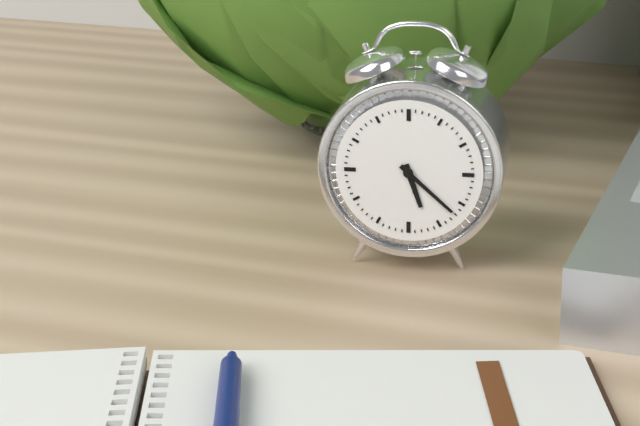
5:22
